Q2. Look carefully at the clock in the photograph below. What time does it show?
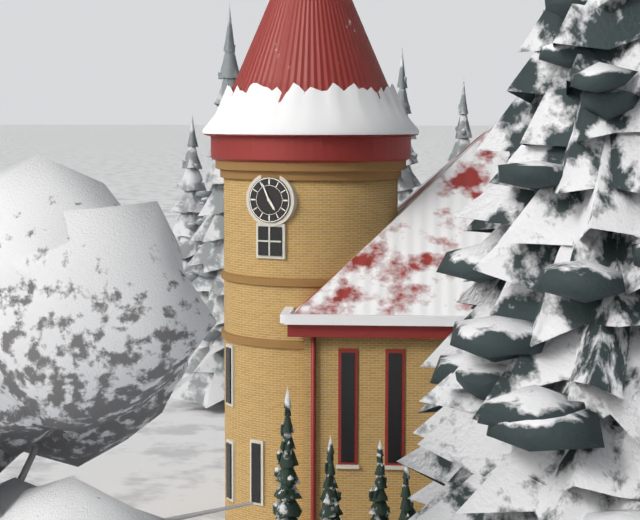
4:56
